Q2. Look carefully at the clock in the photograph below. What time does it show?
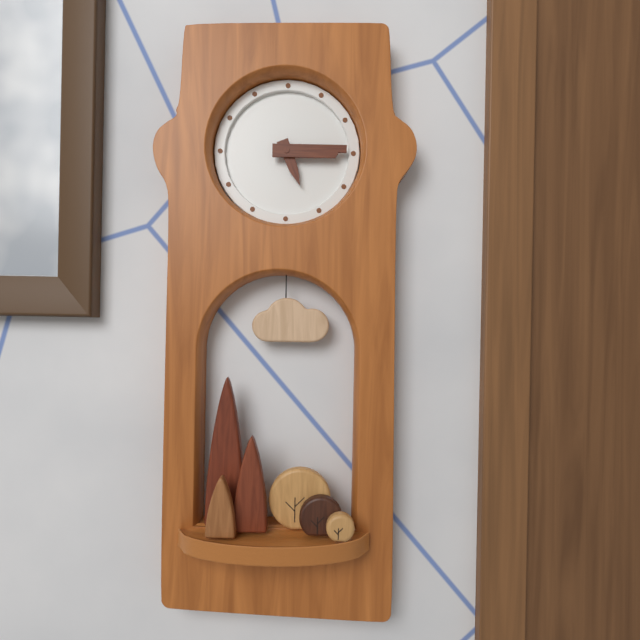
5:15
